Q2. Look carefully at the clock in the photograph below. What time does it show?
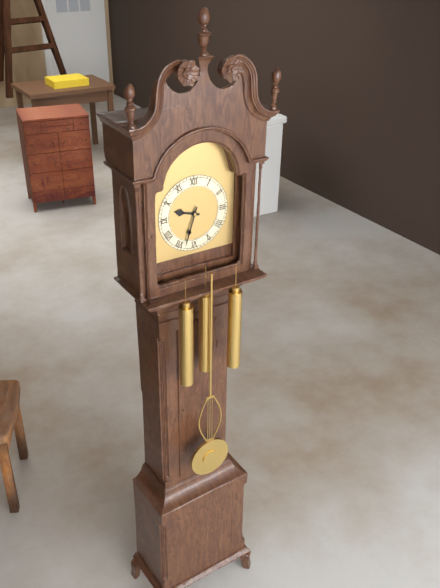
9:33
